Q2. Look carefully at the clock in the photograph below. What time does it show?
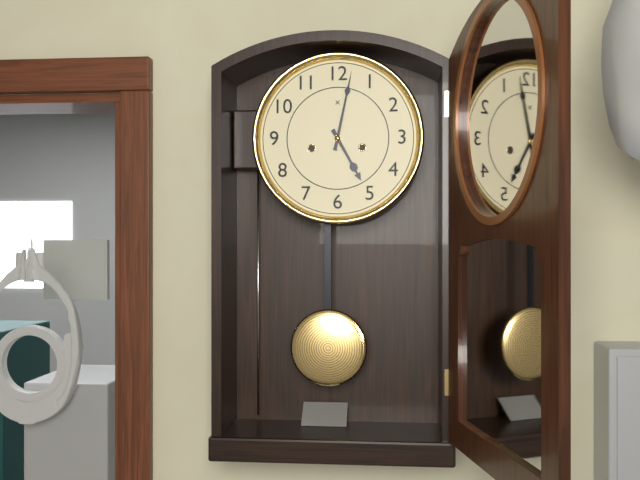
5:02
